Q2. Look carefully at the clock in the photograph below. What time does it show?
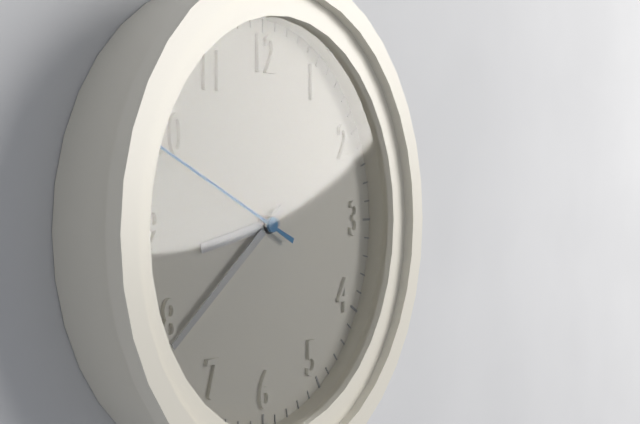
8:39:49
